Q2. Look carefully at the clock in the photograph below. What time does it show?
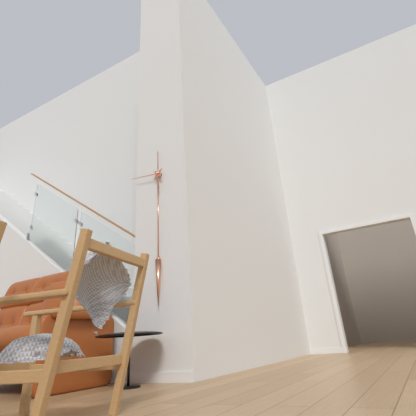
5:46
